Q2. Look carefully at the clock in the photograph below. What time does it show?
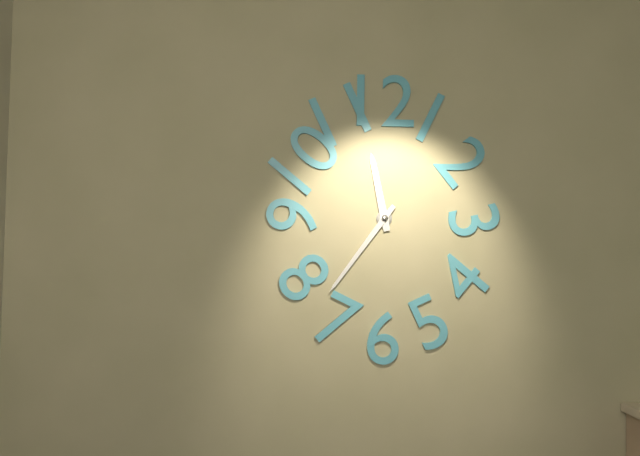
11:36
